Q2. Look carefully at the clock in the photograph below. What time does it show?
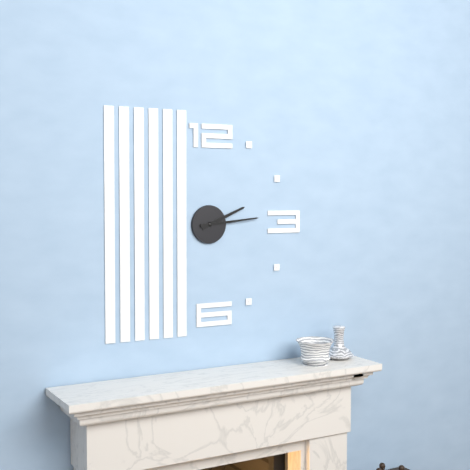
2:14
